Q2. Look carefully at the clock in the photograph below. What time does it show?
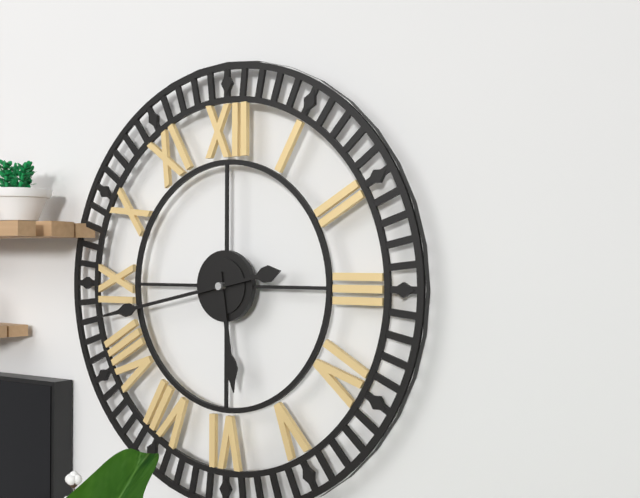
5:43
